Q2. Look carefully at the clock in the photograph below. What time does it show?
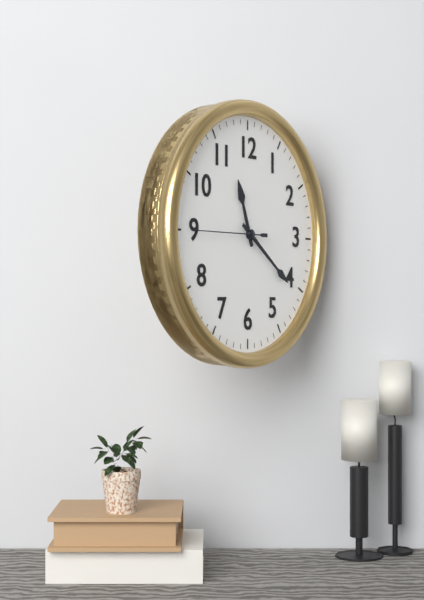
11:21:45
